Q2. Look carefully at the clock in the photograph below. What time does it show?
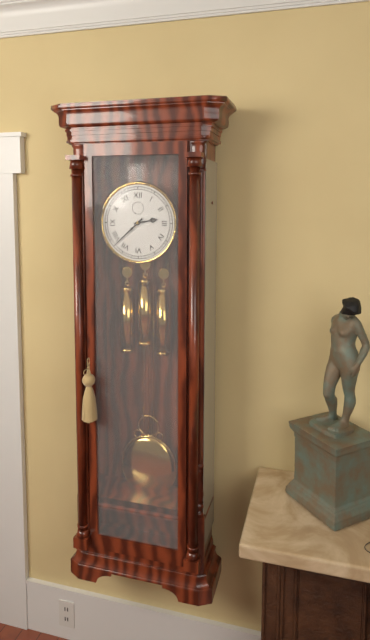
2:38
